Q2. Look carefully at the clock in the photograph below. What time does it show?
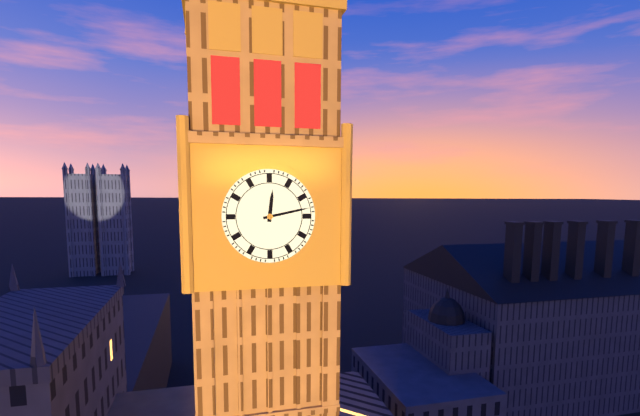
12:13
